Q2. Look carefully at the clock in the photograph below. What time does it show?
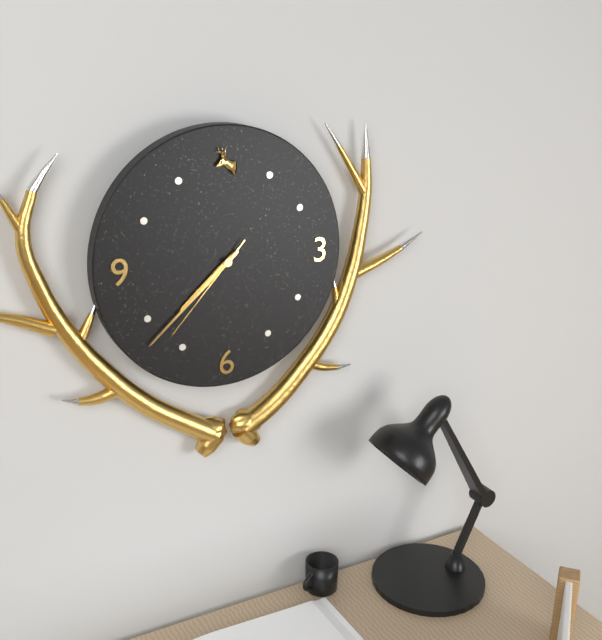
7:38:37
